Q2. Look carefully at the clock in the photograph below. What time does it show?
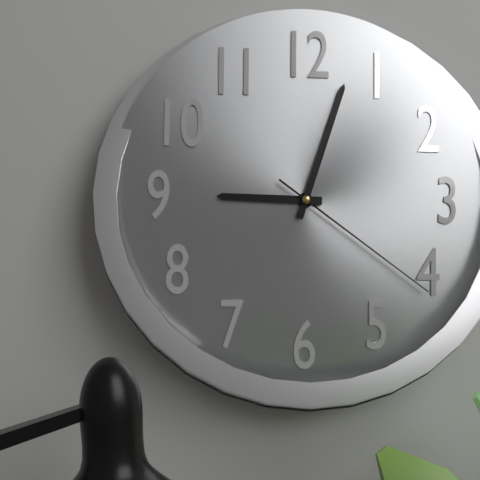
9:03:21
